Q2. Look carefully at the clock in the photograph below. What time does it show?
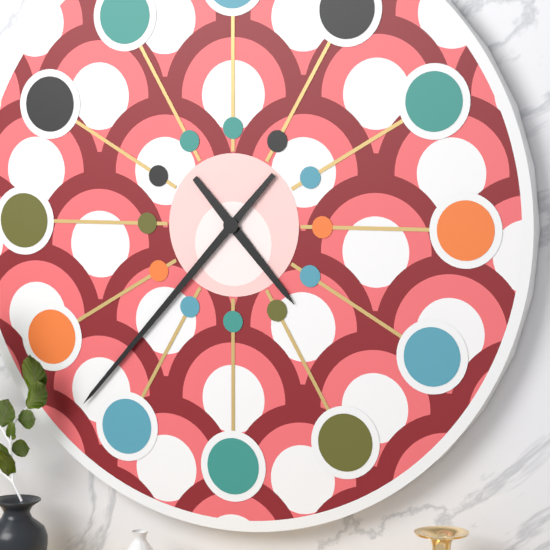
4:37
